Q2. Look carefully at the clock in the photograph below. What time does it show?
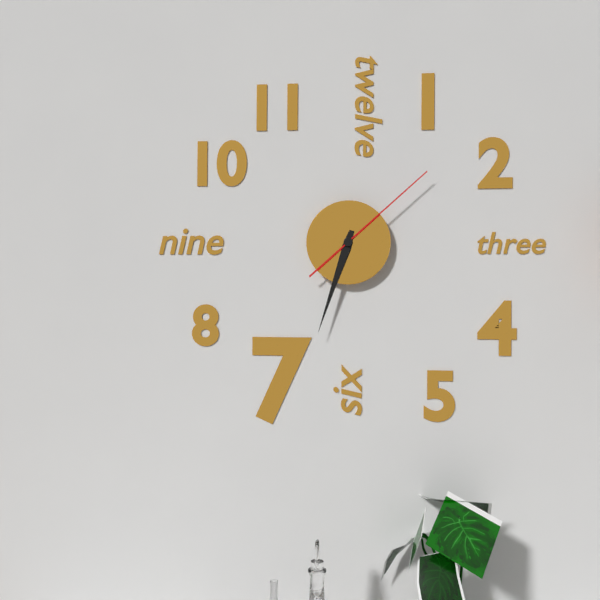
6:33:08
